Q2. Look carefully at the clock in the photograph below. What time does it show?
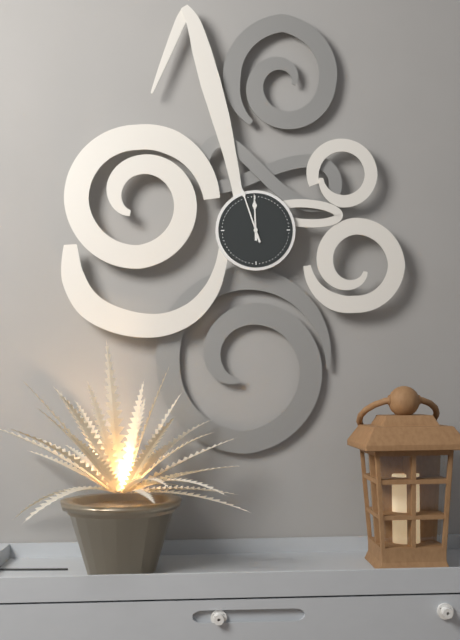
11:57
